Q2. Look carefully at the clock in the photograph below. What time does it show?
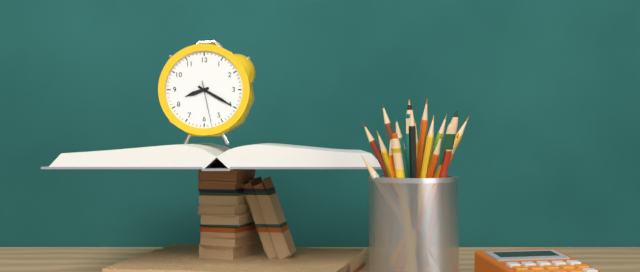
8:20
